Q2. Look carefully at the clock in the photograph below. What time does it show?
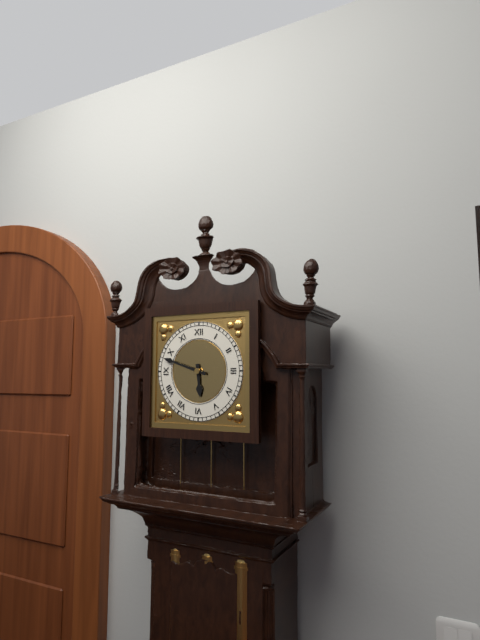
5:48
